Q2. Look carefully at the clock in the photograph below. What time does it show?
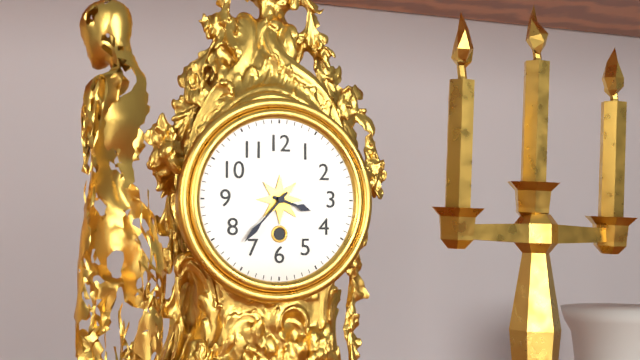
3:37
